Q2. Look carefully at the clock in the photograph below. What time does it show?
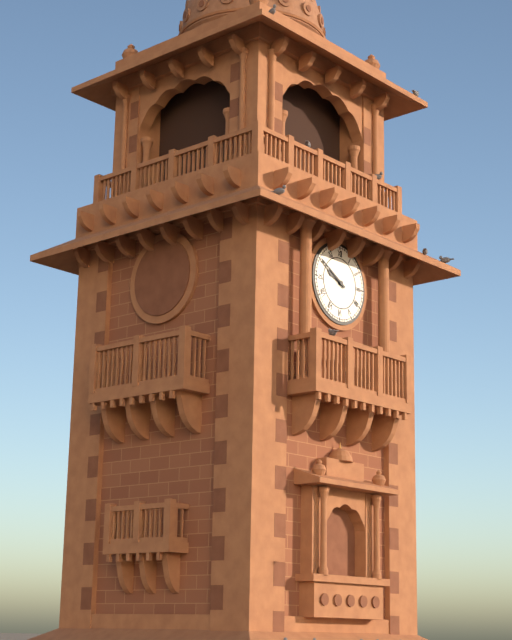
9:50
